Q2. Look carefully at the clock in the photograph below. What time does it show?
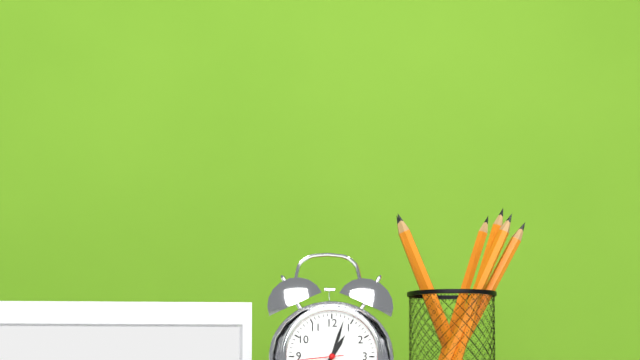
1:03
